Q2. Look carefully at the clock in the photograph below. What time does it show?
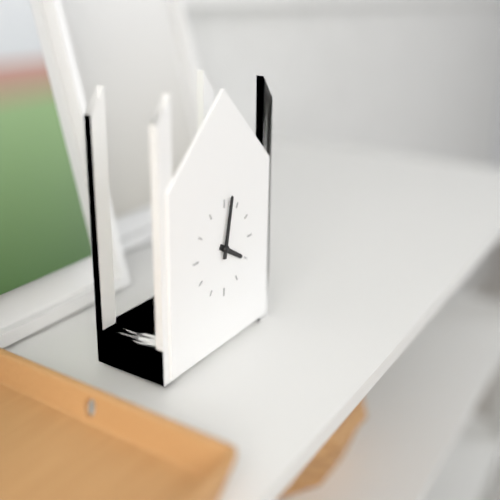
4:02
